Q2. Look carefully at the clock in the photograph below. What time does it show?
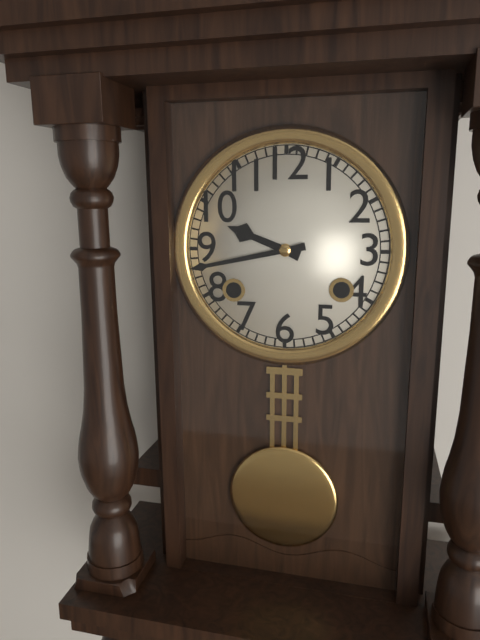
9:43
